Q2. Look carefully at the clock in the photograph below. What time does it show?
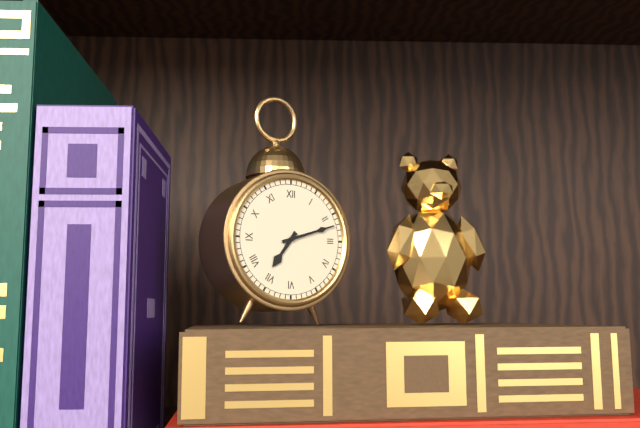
7:12
